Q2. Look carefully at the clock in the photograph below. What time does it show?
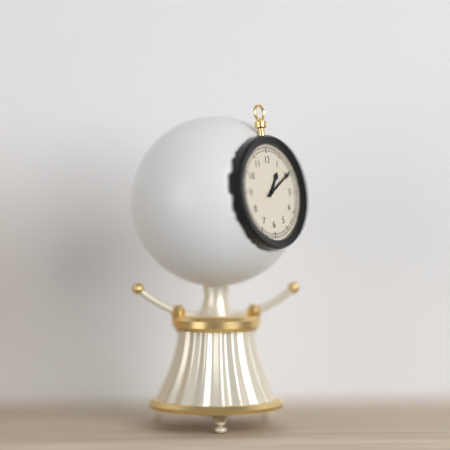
1:10
